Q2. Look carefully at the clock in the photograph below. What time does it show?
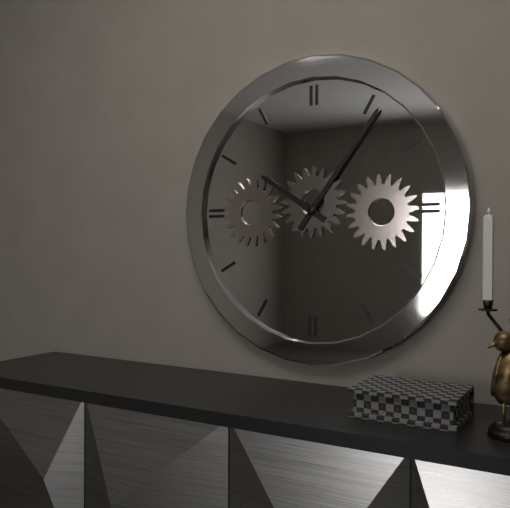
10:06
